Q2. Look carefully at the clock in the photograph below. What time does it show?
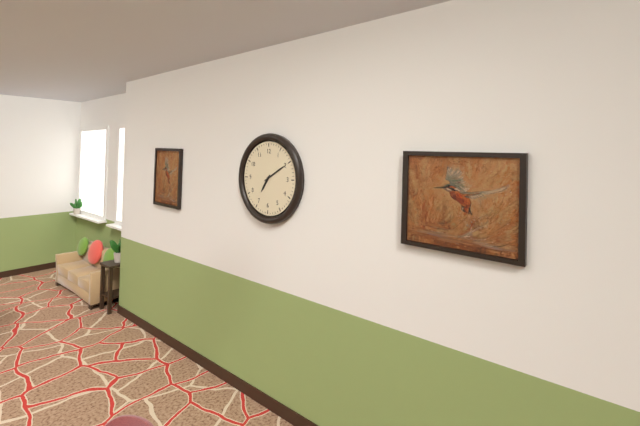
7:10
